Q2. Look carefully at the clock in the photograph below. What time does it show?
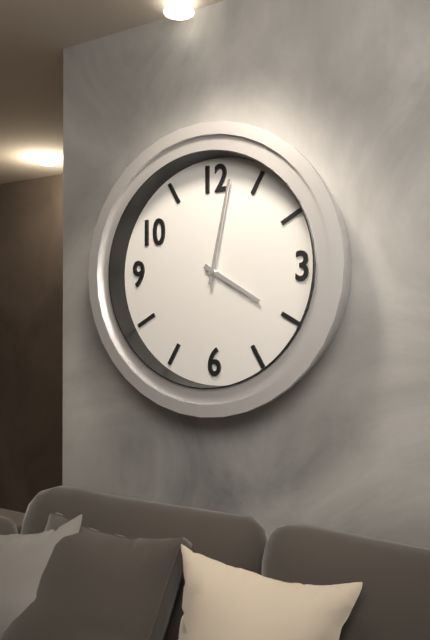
4:02
